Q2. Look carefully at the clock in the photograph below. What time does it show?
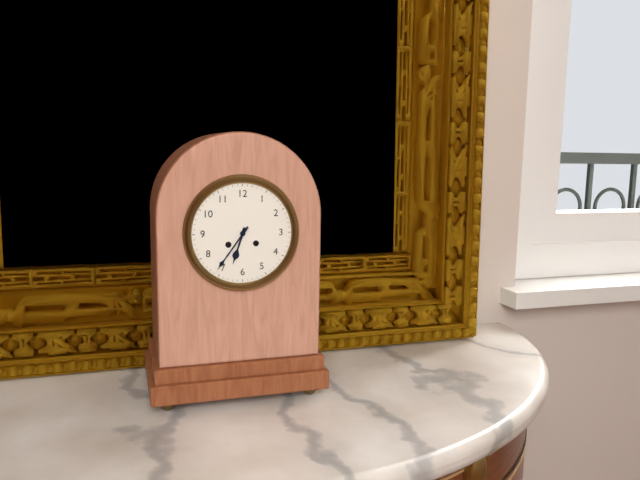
6:36
